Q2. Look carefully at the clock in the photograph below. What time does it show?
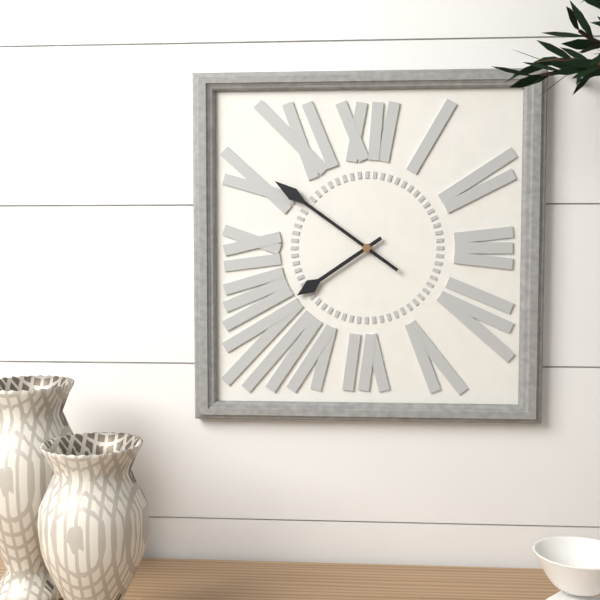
7:51
